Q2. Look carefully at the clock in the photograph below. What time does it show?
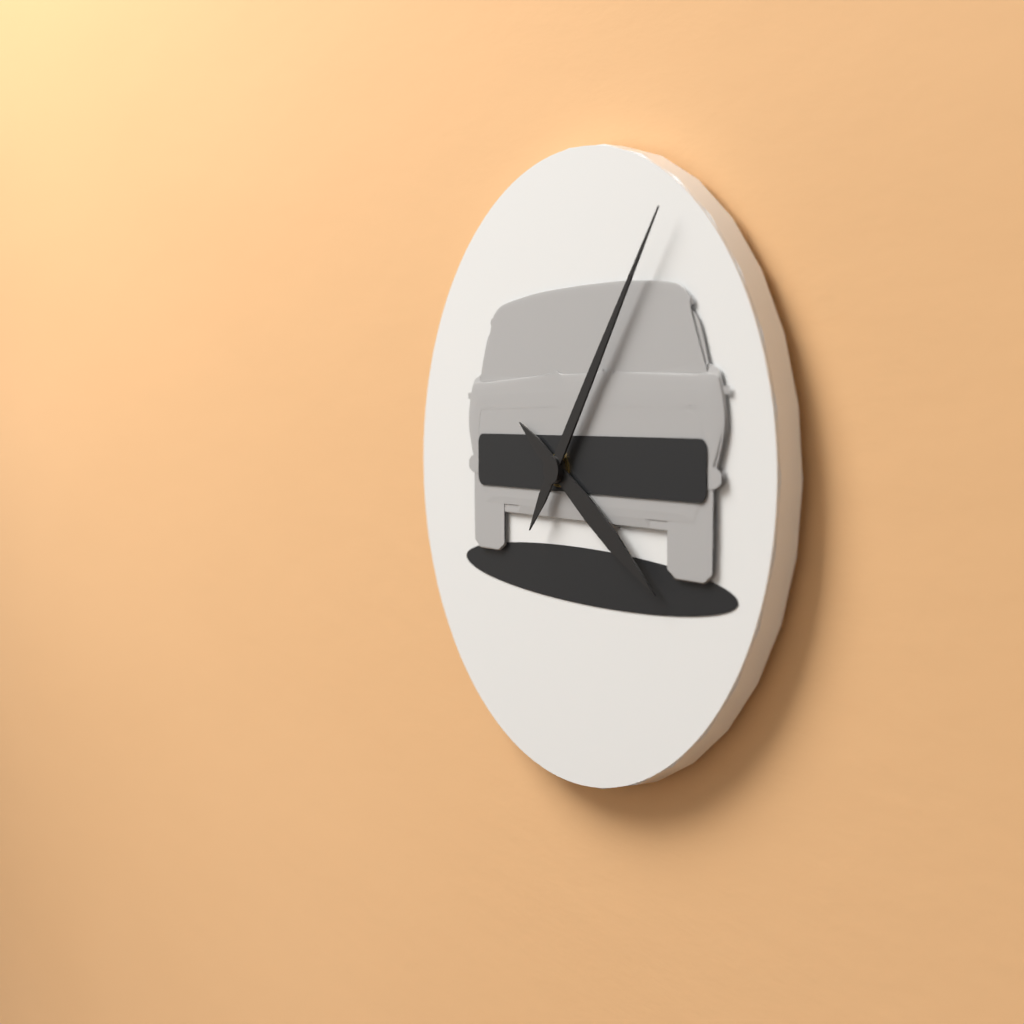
4:06
